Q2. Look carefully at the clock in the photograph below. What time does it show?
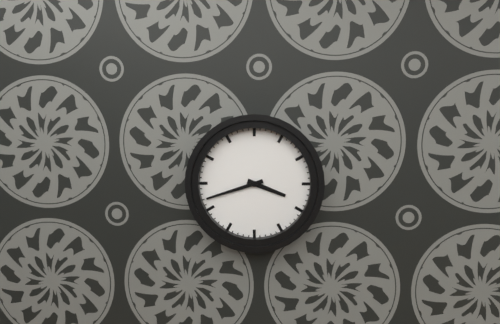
3:42
